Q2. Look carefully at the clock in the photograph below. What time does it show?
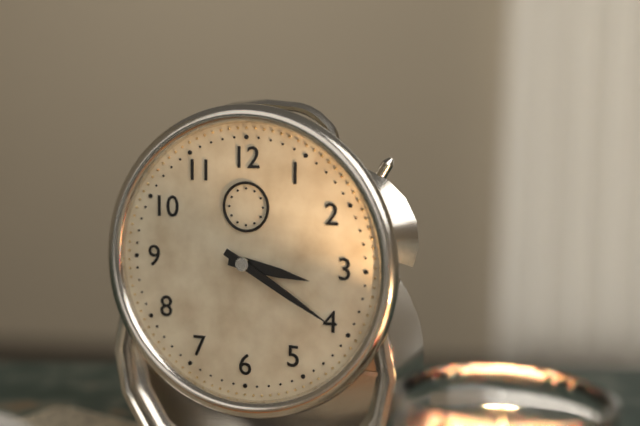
3:20
